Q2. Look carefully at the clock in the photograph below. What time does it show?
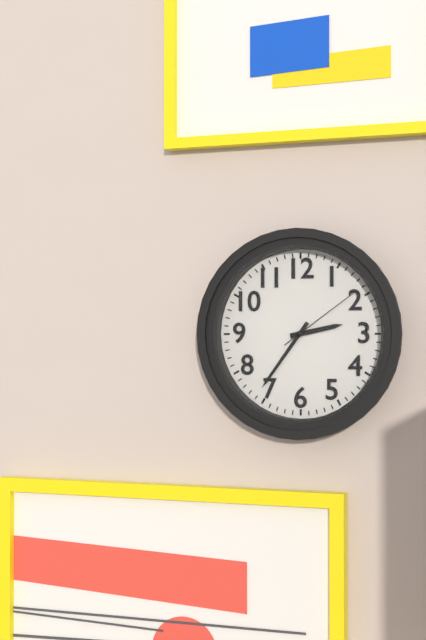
2:36:09
